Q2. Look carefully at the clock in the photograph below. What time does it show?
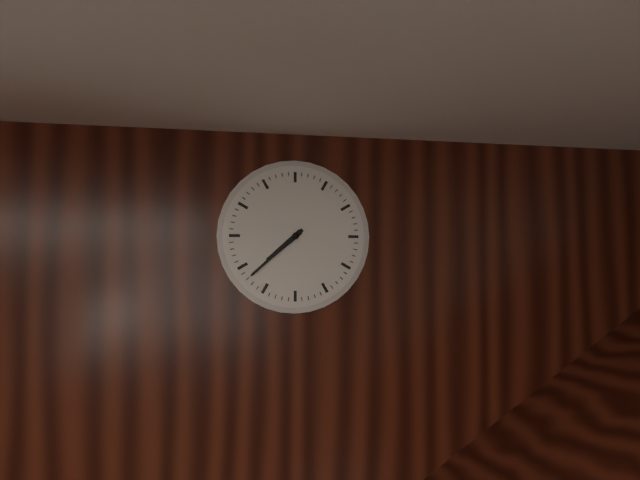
7:38
